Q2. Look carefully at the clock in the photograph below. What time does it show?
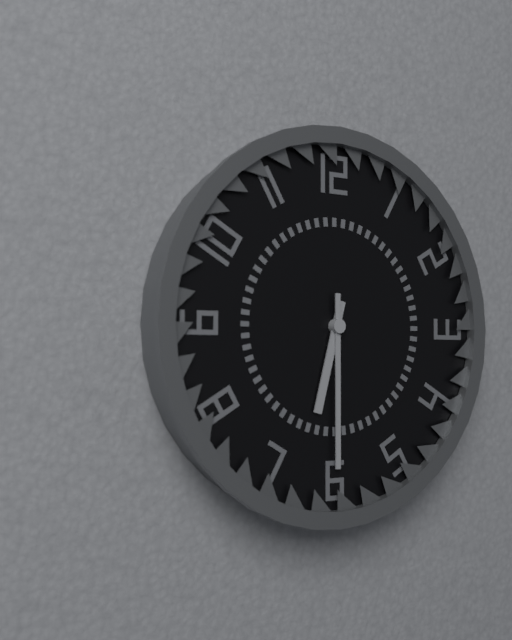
6:30
